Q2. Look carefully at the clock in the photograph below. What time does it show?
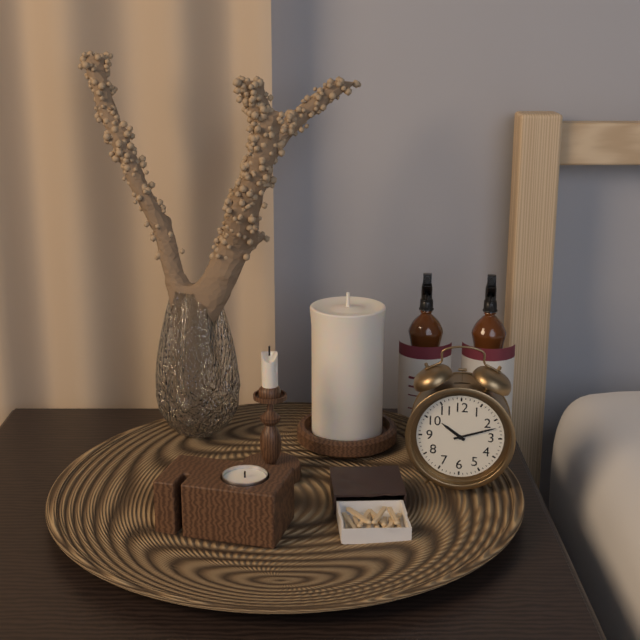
10:12
